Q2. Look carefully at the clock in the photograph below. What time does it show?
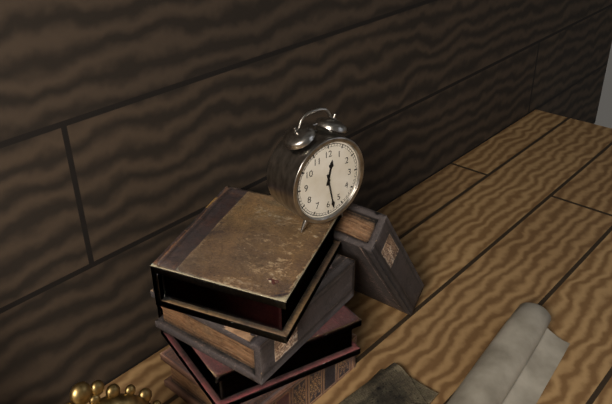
12:28
